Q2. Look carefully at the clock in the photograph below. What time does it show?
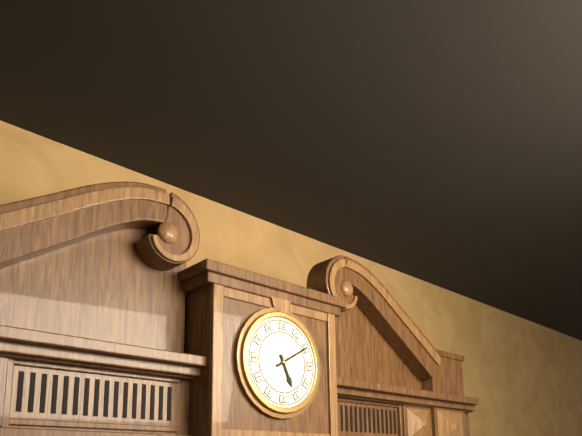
5:10
